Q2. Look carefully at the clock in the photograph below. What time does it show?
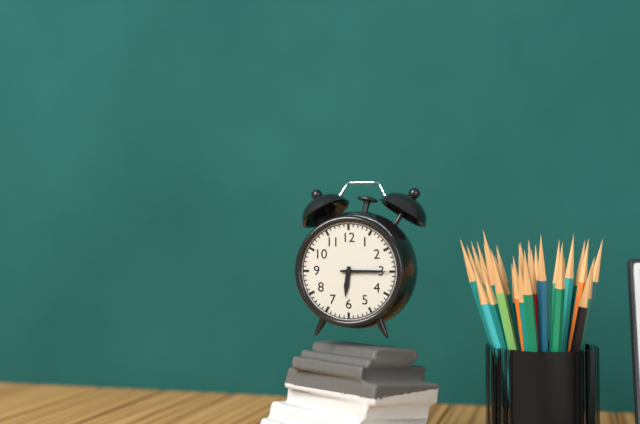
6:15
